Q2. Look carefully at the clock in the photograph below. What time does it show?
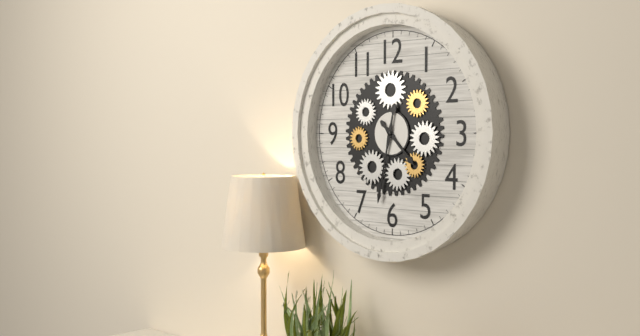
4:32
